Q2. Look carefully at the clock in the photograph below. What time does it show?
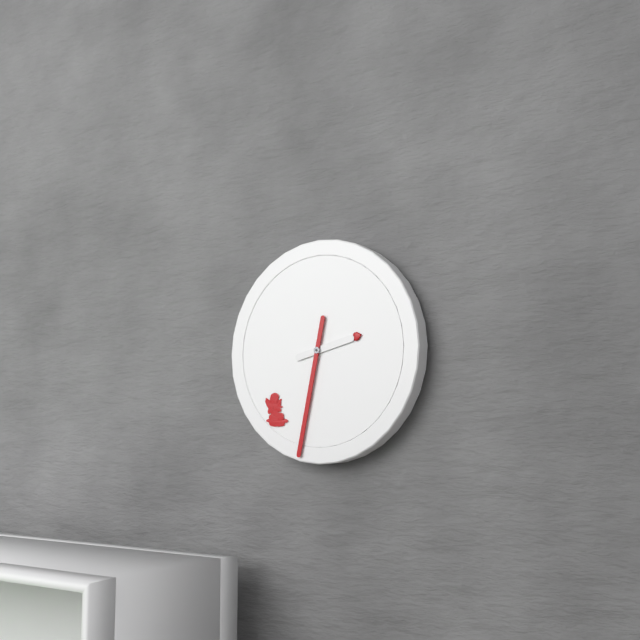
2:32
